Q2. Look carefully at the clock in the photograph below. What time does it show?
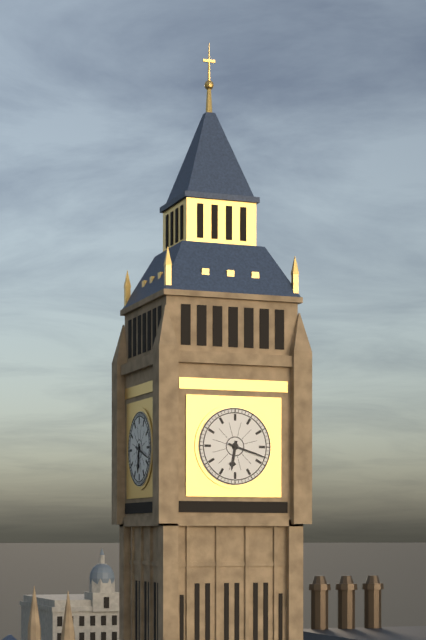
6:18
